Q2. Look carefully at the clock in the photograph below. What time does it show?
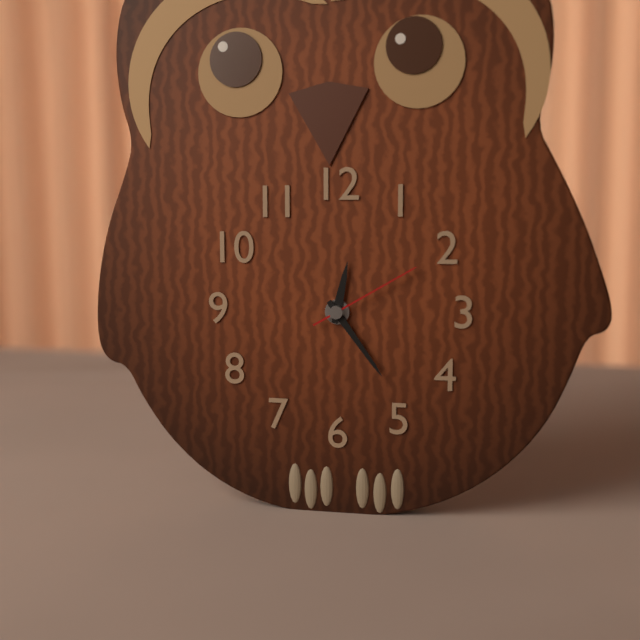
12:24:10
